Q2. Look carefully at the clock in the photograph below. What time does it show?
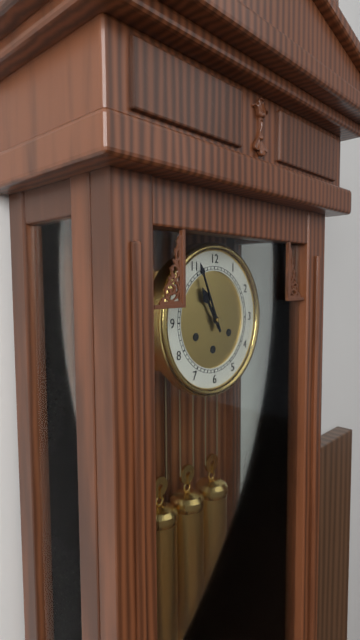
10:56
